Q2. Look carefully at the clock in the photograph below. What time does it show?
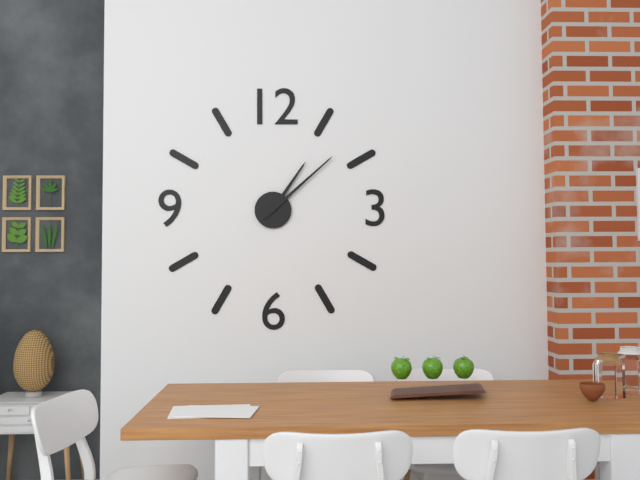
1:08
